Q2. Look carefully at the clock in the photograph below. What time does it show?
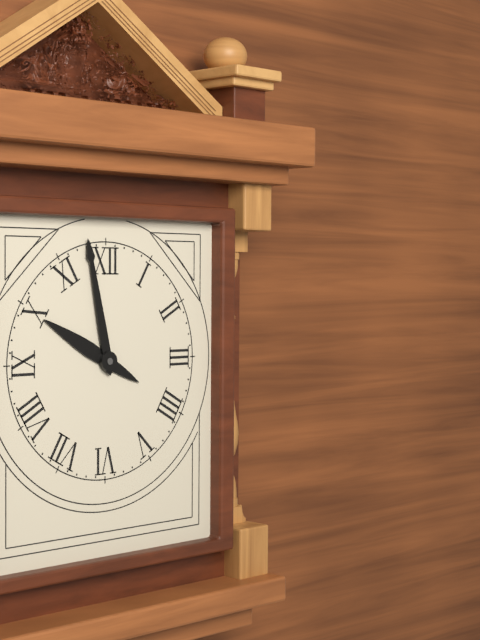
9:58
